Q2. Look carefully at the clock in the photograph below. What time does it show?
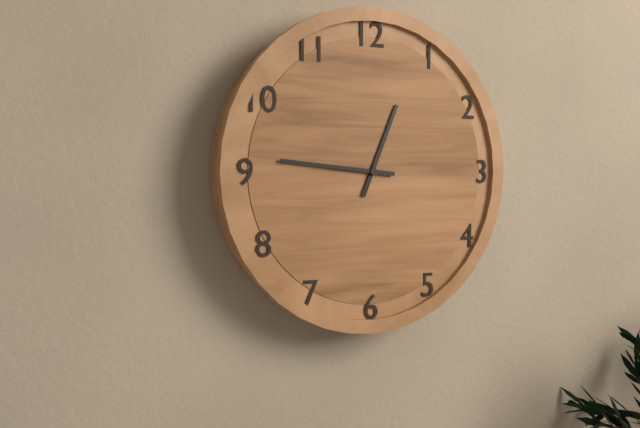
12:46
